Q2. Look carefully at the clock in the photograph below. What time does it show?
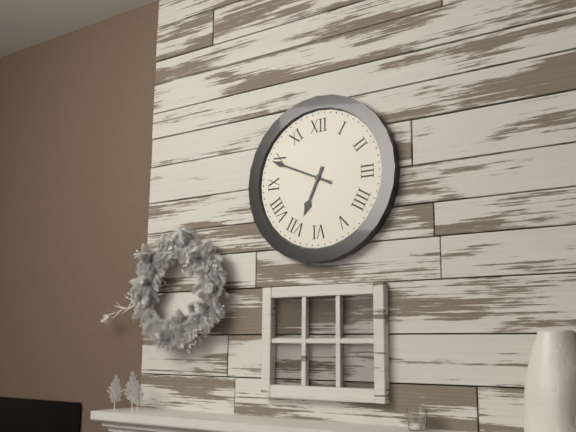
6:49
